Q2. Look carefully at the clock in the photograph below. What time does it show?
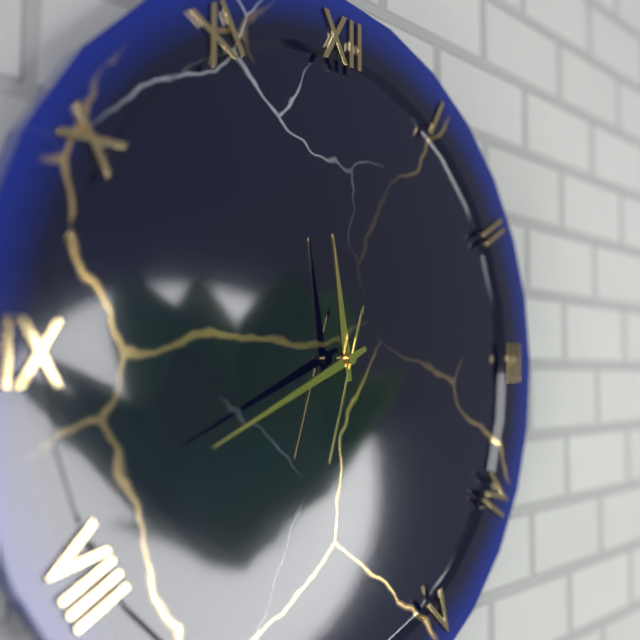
11:41:33
